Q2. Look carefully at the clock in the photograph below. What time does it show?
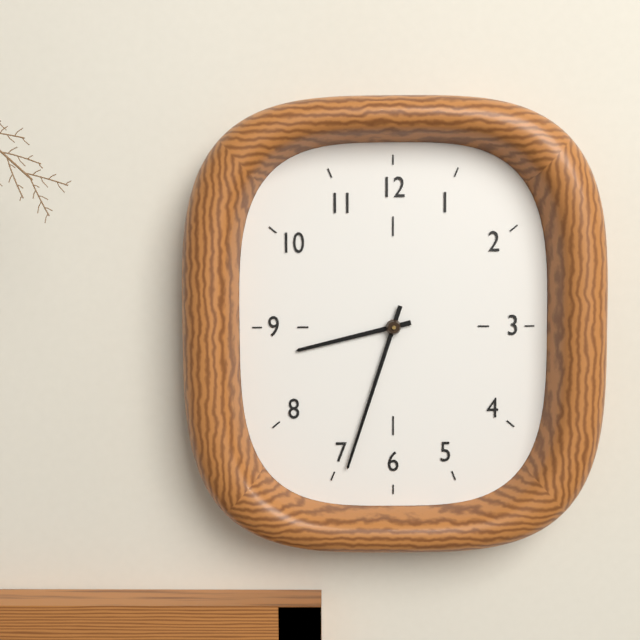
8:33
